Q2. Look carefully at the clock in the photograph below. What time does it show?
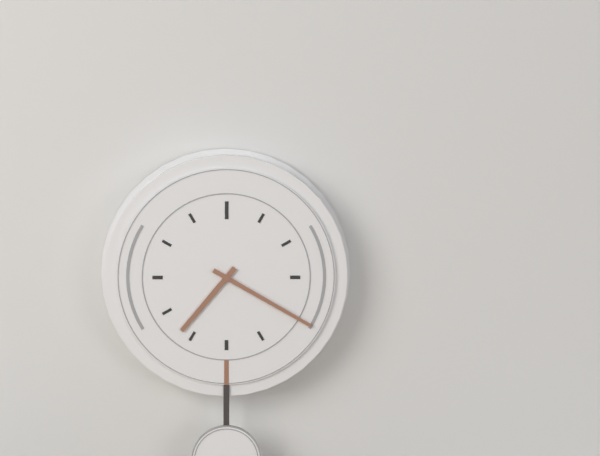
7:20
